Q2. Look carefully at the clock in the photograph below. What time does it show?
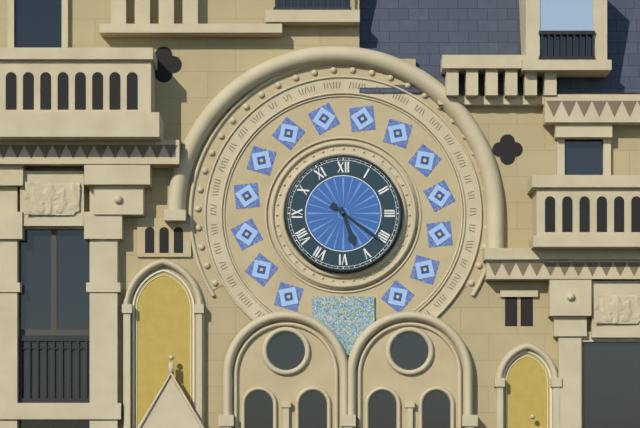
5:21
